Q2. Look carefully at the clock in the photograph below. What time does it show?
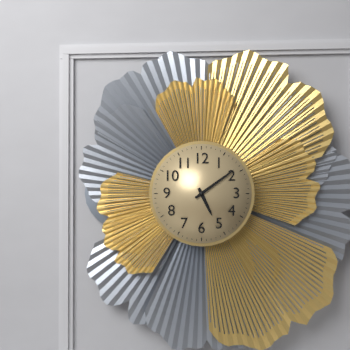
5:09
